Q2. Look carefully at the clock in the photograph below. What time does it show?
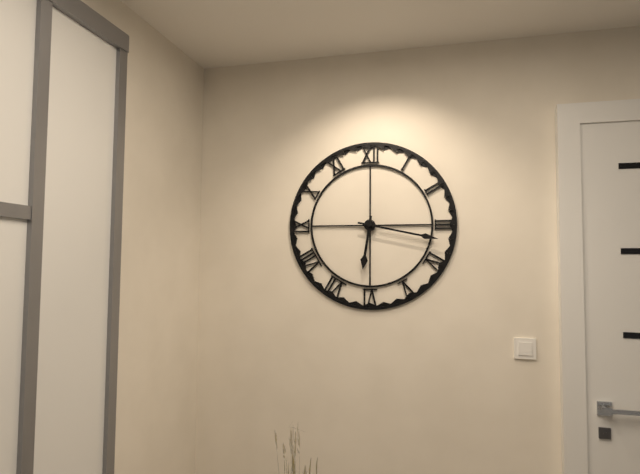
6:17
